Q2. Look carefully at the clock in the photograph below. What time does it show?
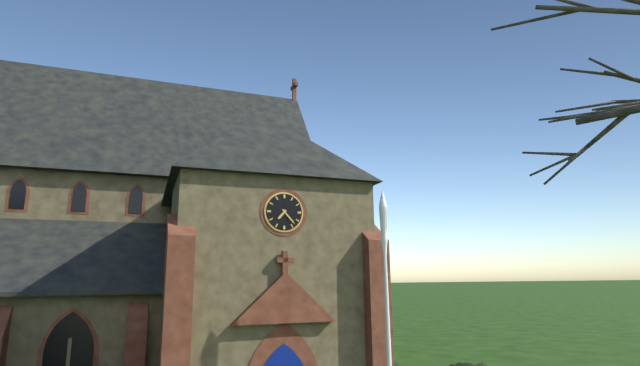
7:23
